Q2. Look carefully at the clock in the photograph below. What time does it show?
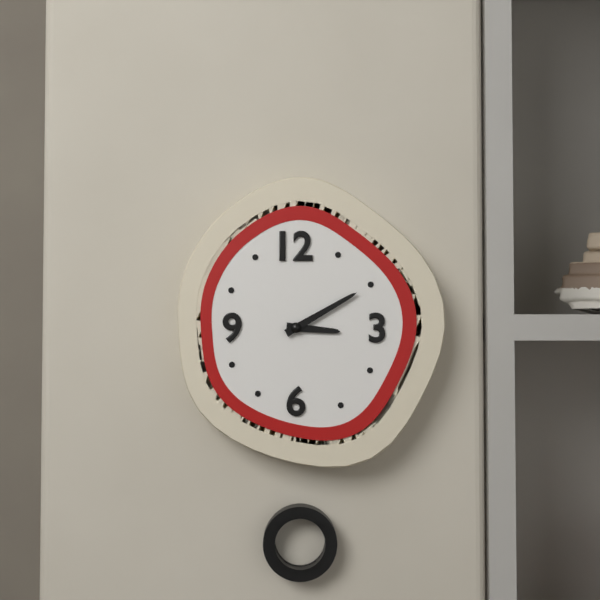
3:10
